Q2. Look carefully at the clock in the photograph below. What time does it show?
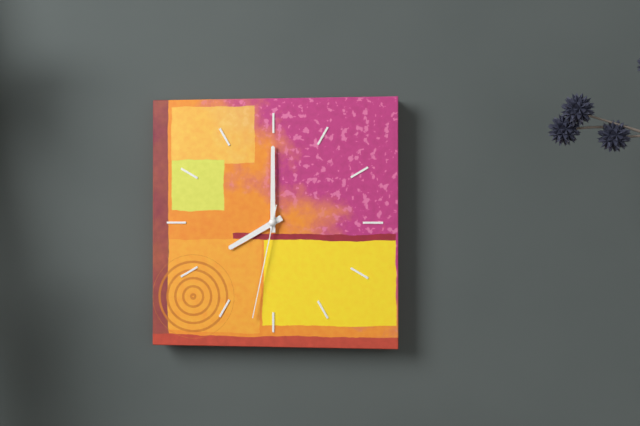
8:00:32
